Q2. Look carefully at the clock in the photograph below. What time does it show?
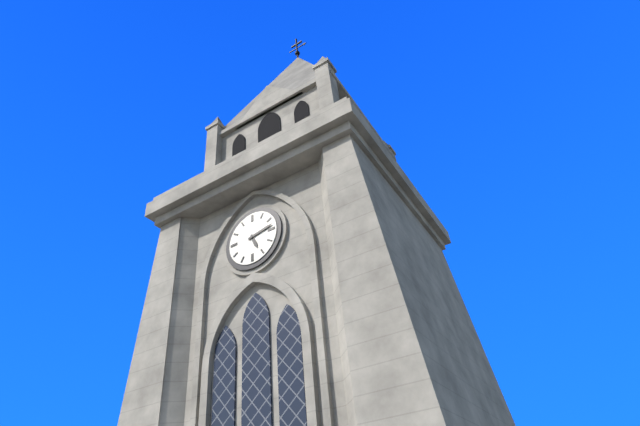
5:13
